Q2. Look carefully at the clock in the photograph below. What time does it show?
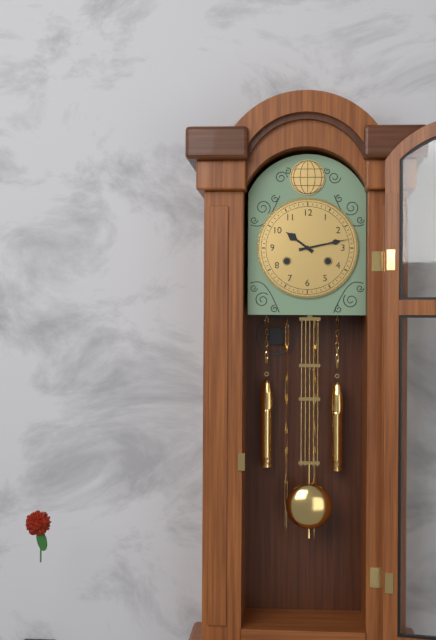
10:13
